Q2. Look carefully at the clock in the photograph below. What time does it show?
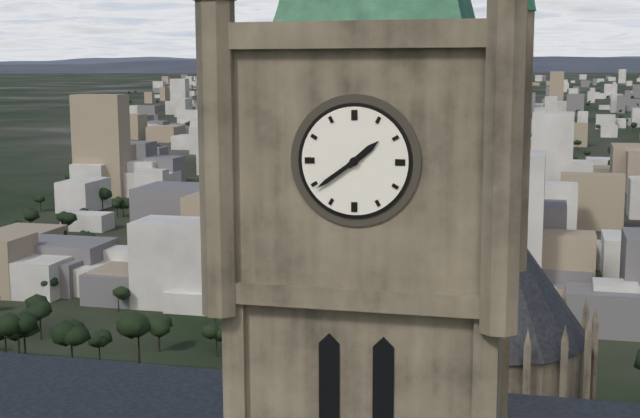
1:39
